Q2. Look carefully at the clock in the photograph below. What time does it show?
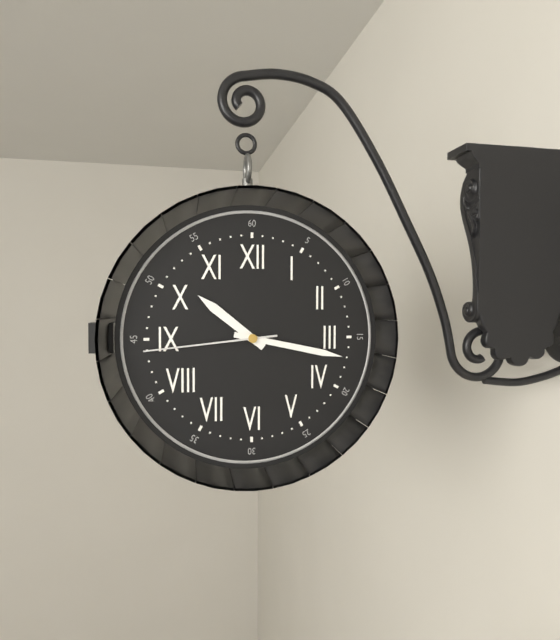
10:17:44
